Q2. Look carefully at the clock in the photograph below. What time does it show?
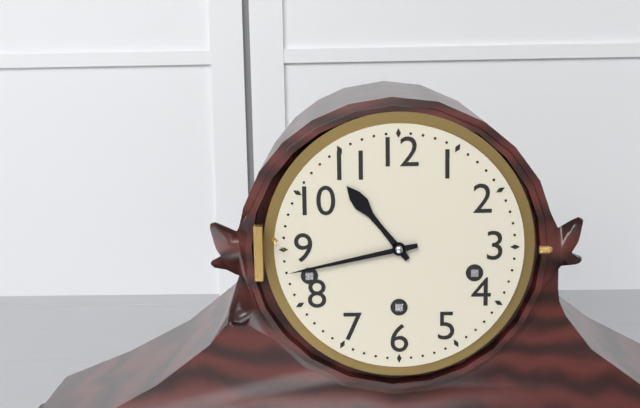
10:43
